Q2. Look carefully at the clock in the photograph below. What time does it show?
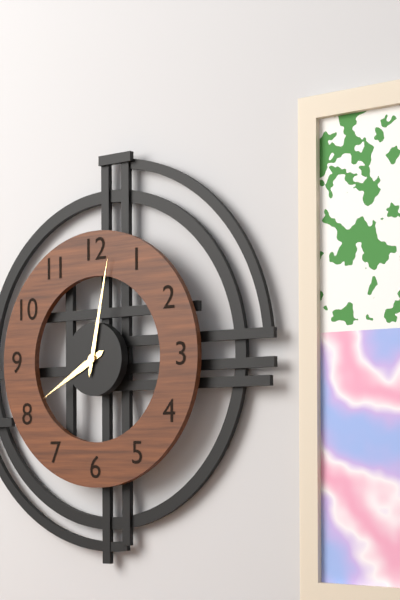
8:02
